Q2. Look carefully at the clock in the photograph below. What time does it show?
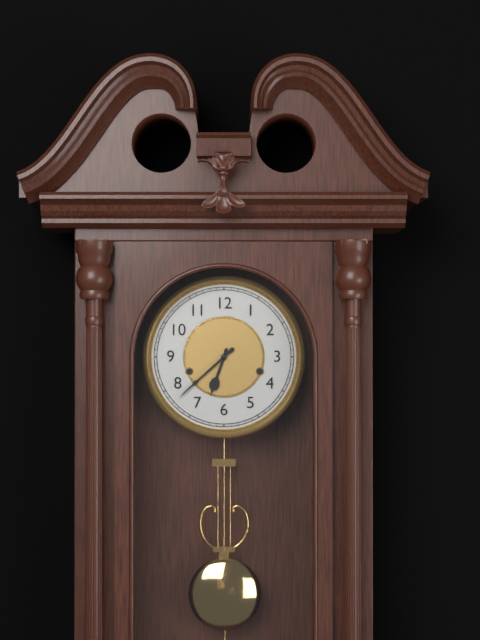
6:38
